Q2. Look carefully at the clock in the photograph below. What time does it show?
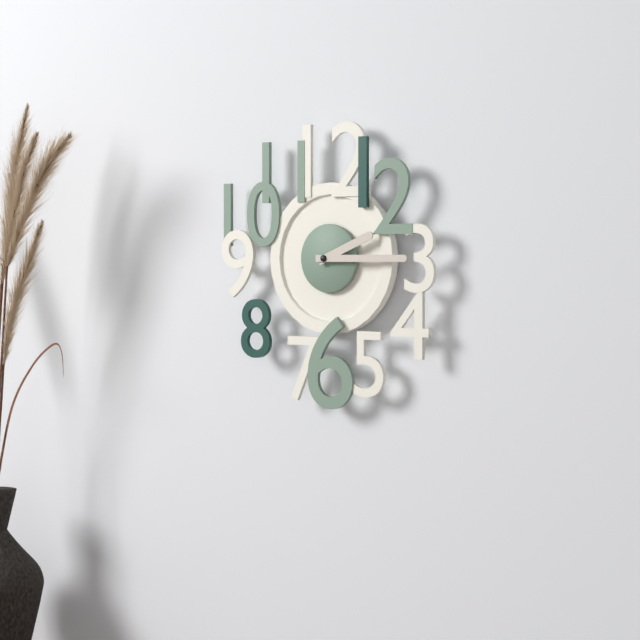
2:15
